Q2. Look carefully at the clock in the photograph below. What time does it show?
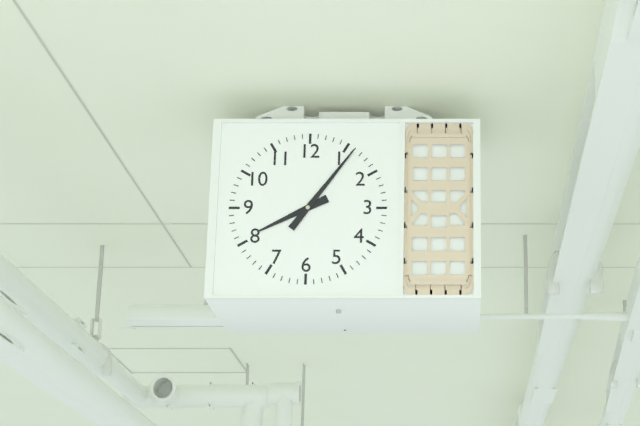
8:06
